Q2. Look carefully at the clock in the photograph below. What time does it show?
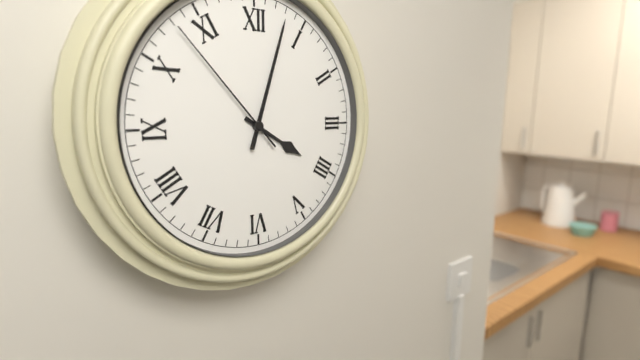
4:03:53
